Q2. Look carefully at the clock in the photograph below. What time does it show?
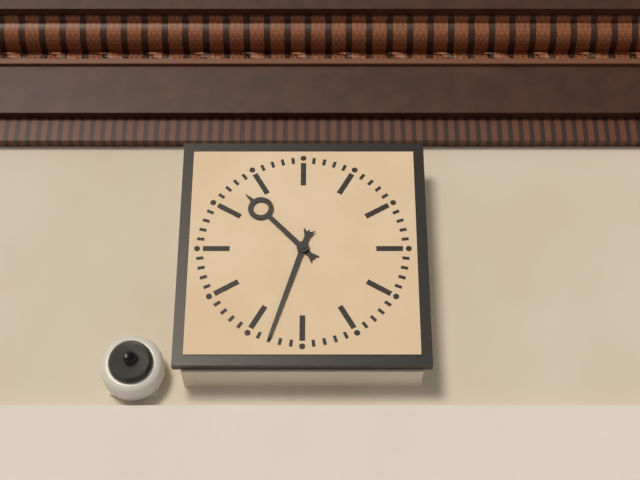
10:33
